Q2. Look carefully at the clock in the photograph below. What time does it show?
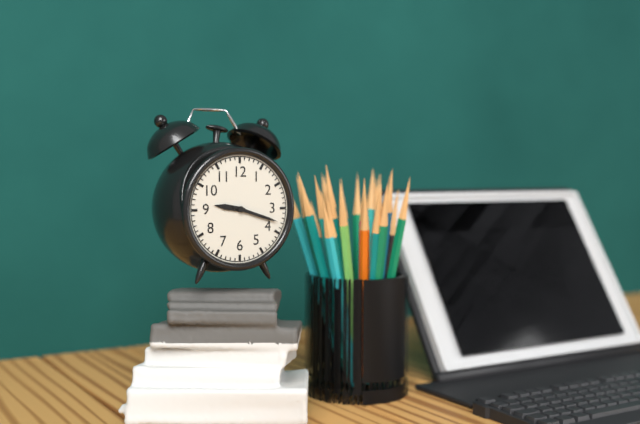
9:18
